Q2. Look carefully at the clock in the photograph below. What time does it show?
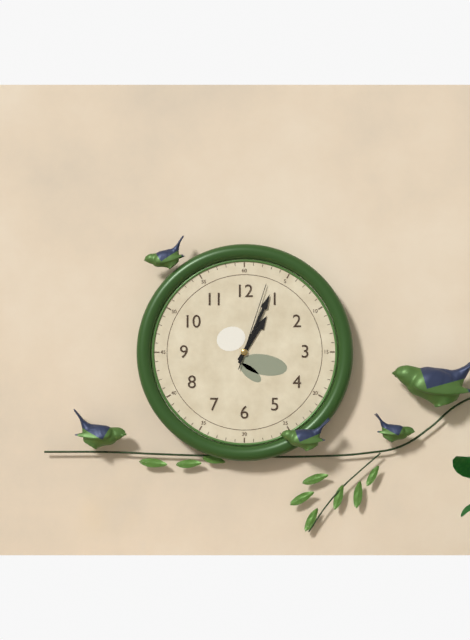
1:04:03
